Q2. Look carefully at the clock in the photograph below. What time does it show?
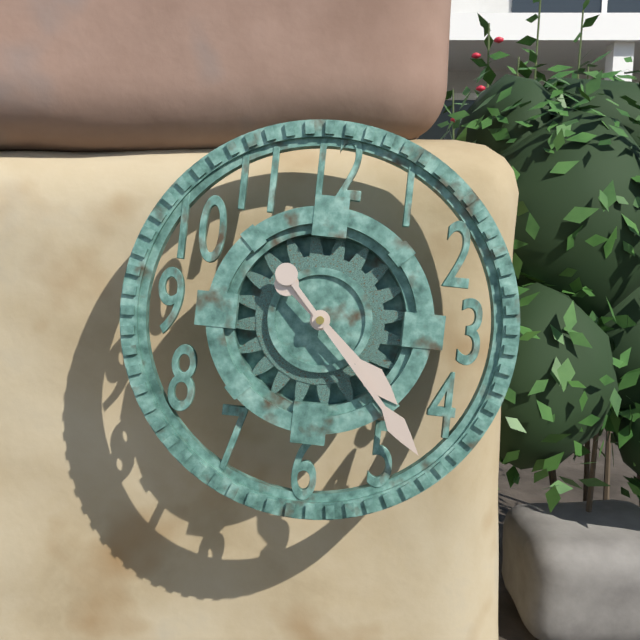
4:23
